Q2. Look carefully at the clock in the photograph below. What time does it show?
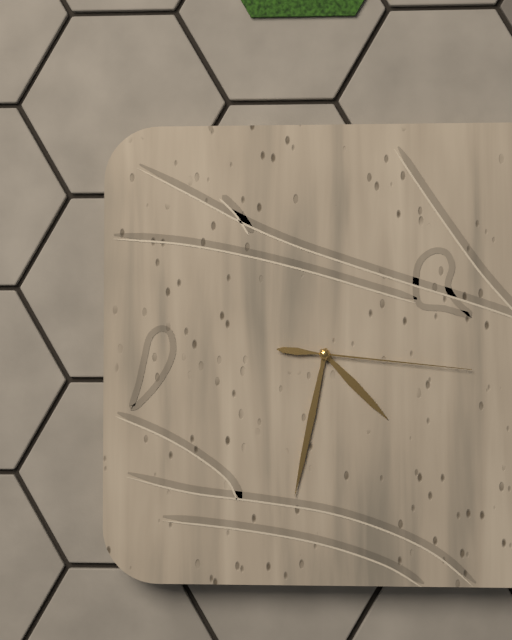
4:32:16
